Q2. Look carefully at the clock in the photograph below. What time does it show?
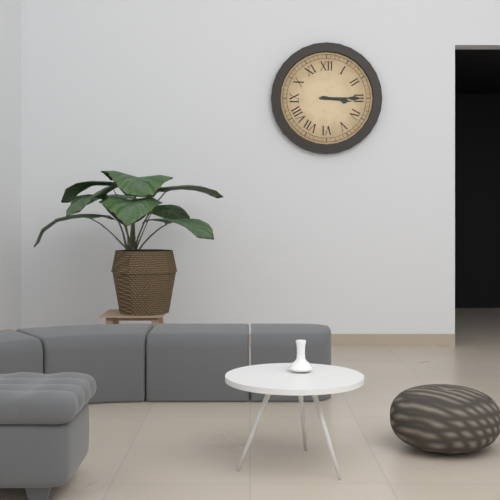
3:15
